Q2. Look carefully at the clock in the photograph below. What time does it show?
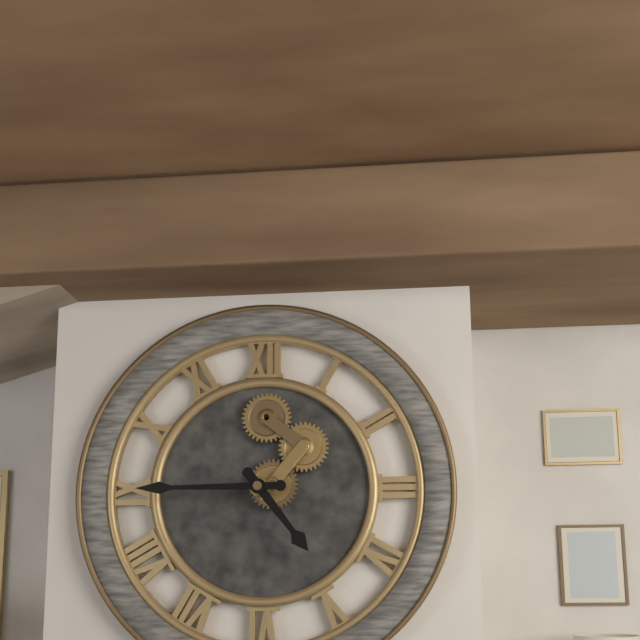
4:45
